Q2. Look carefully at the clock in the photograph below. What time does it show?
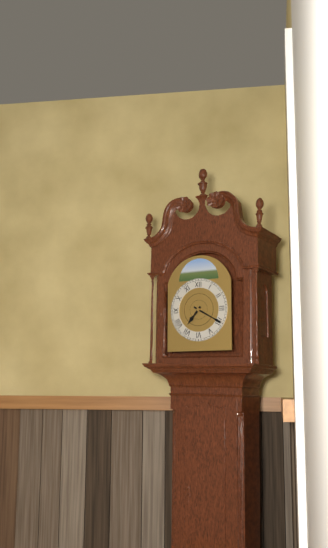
7:20
